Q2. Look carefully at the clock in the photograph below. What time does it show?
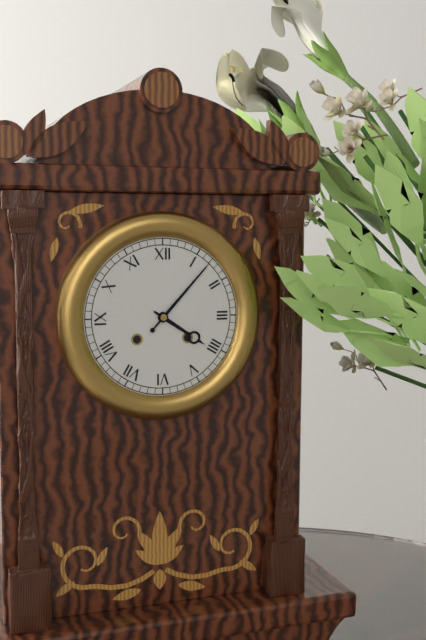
4:07
